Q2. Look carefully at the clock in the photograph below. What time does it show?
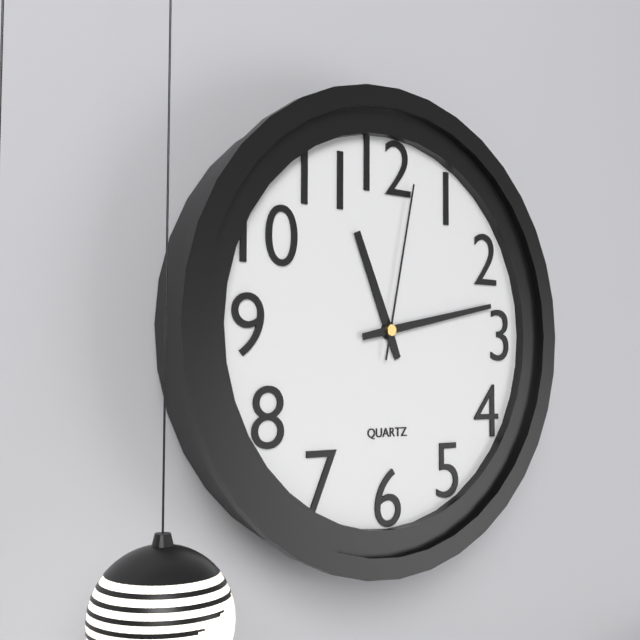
11:13:02
